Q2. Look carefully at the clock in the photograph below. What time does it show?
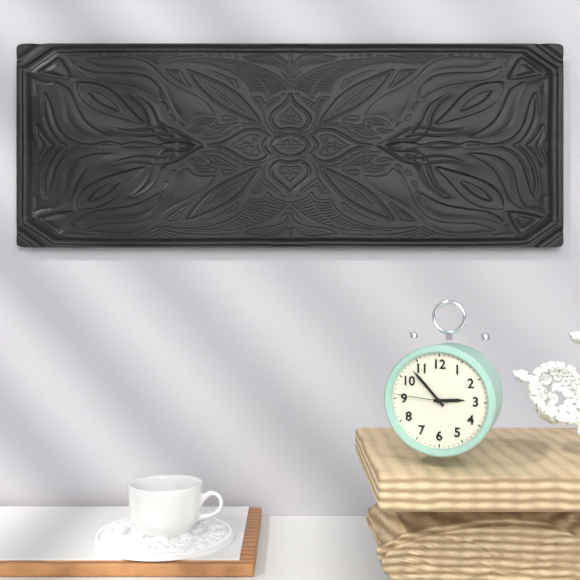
2:53:46
